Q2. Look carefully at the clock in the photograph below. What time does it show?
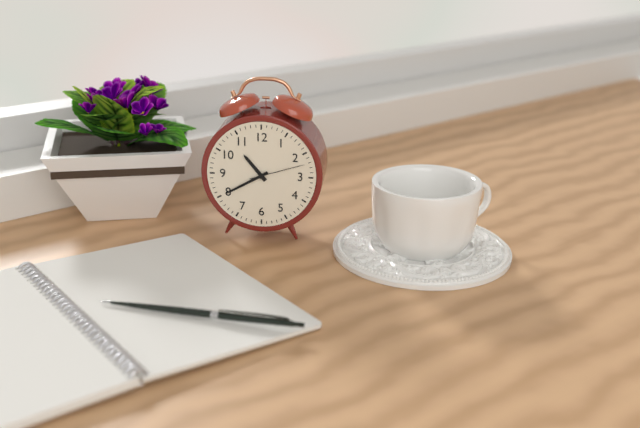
10:40:12
